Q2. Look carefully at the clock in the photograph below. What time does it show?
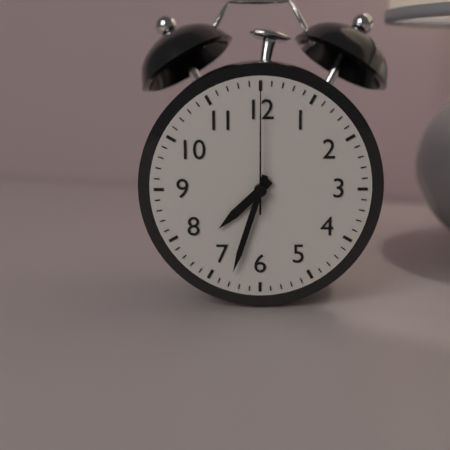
7:33:00
